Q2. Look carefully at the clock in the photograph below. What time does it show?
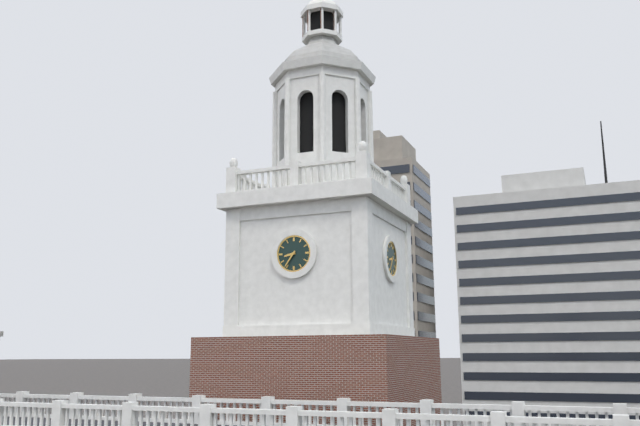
8:36
